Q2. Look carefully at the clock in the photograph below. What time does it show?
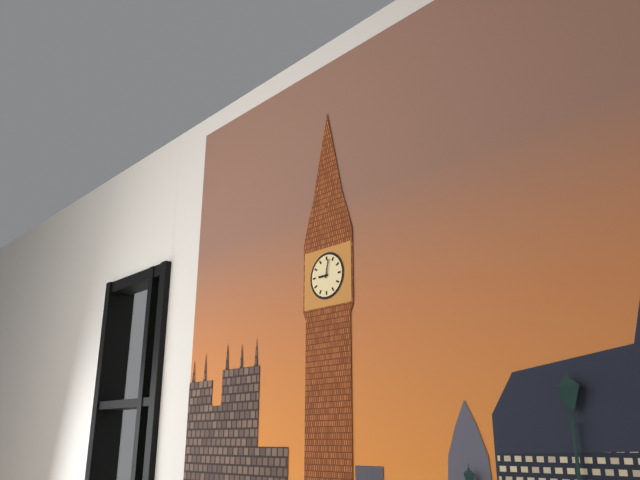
9:02
